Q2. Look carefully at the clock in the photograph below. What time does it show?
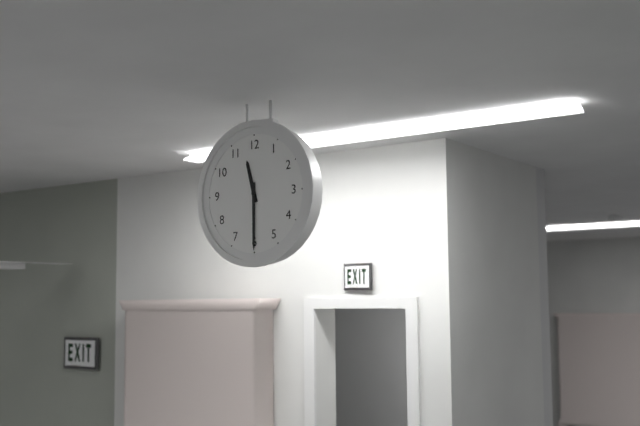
11:30
